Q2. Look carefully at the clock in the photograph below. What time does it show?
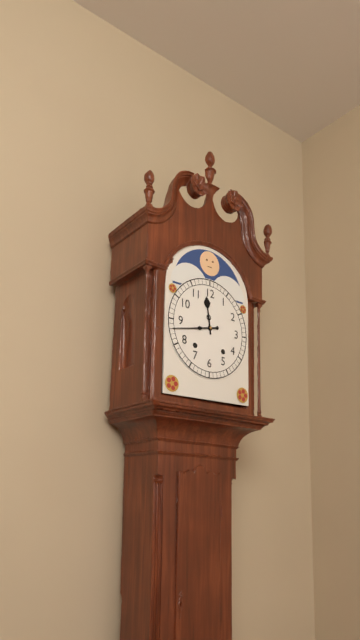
11:43
